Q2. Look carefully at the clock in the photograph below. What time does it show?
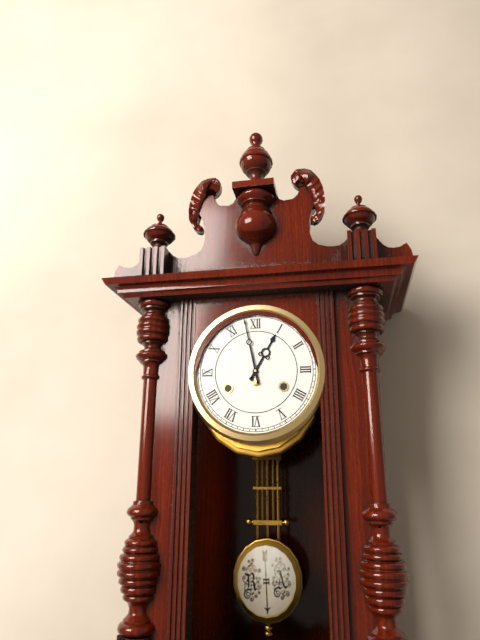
12:58
